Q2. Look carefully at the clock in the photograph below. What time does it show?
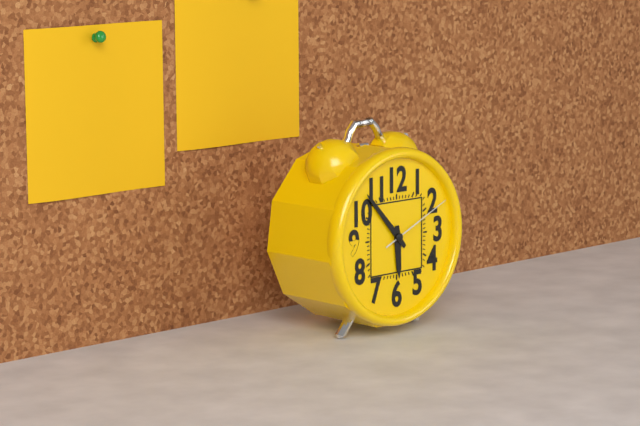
5:53:11
